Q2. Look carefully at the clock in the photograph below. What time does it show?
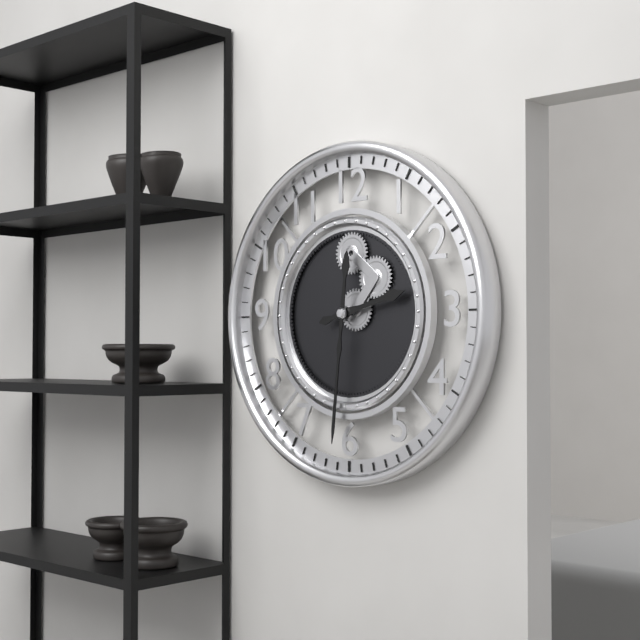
2:31
